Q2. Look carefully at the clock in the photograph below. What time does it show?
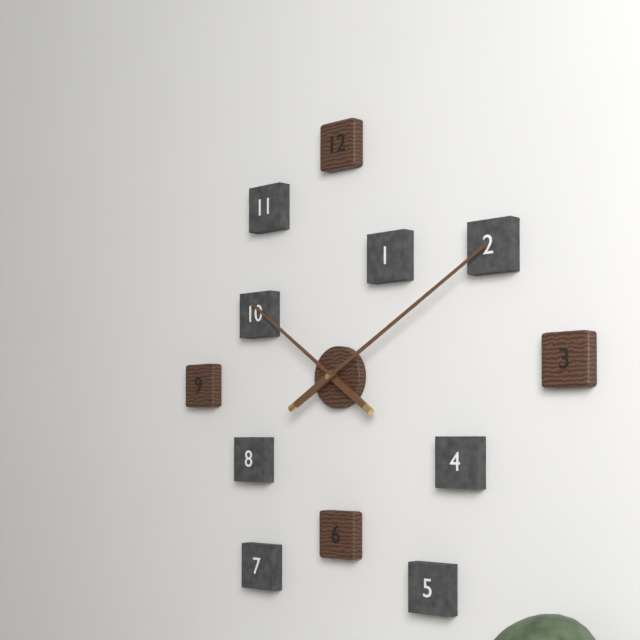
10:10
